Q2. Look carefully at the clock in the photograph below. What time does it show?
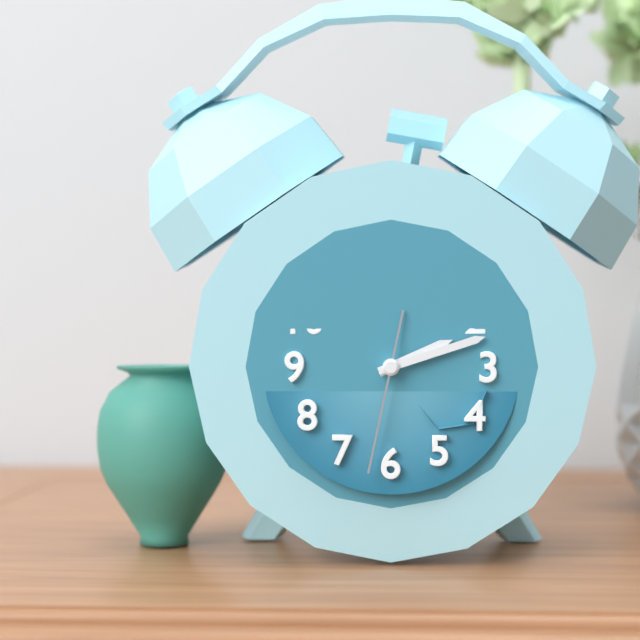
2:12:32
